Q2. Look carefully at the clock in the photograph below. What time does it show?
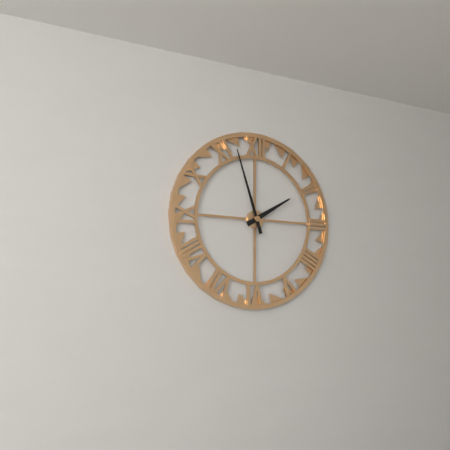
1:57
